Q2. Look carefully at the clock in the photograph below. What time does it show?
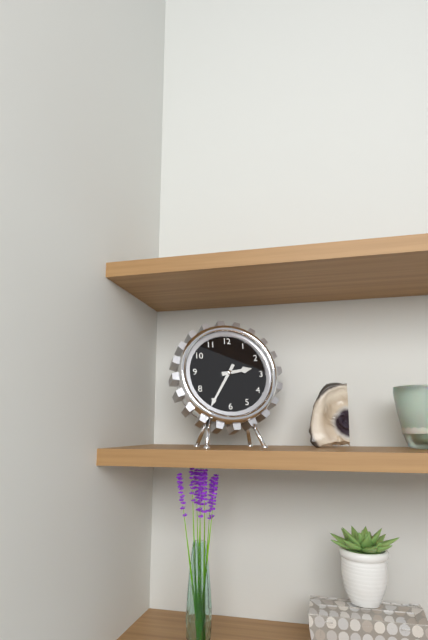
2:35
